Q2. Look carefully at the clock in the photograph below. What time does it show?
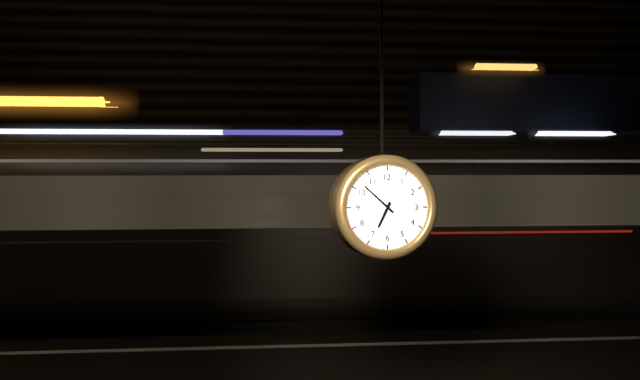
6:52
